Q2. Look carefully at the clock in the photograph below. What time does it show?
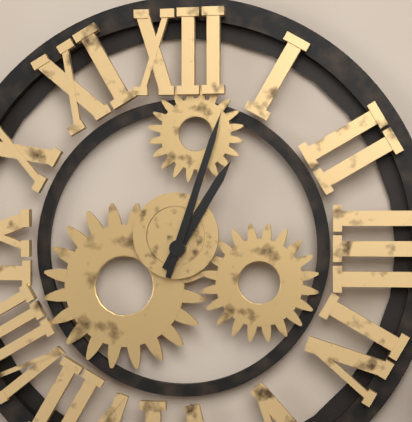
1:03
